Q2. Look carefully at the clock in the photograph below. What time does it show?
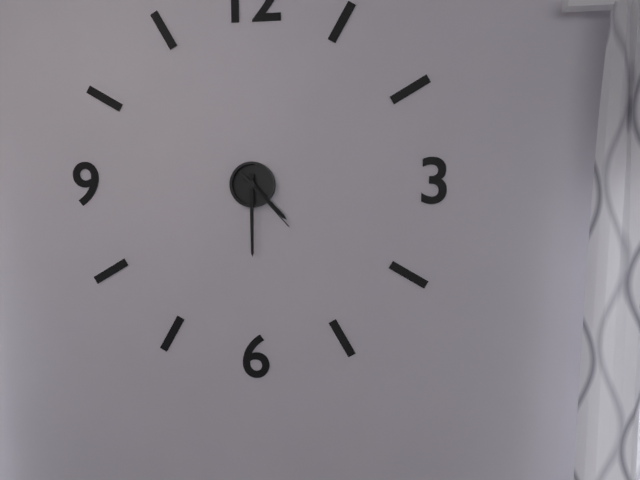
4:30:23
